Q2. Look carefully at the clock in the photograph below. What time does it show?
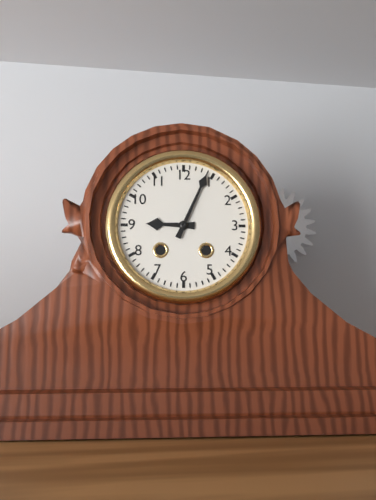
9:04
